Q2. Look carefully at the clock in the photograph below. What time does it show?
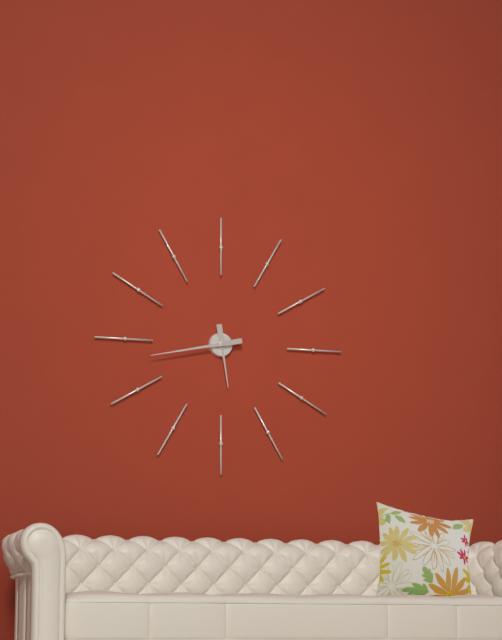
5:43
